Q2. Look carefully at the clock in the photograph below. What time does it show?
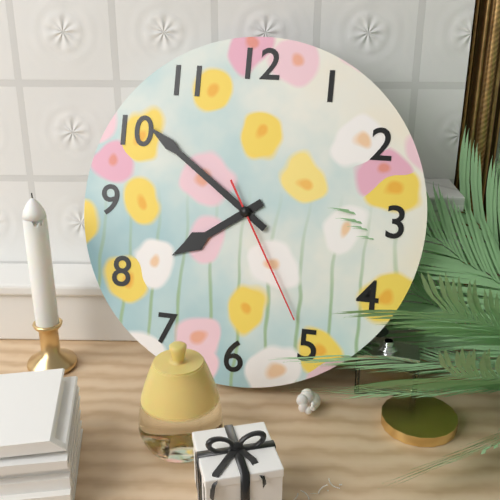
7:51:25
